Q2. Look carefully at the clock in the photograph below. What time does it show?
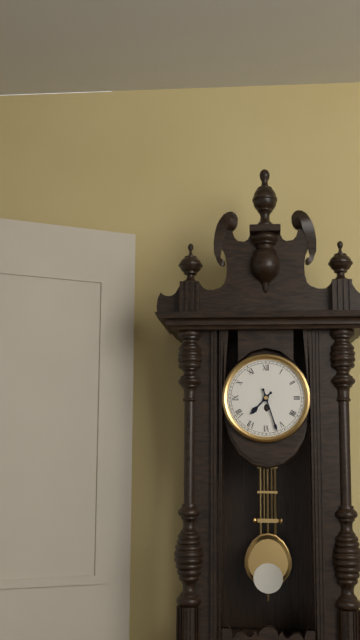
7:27
